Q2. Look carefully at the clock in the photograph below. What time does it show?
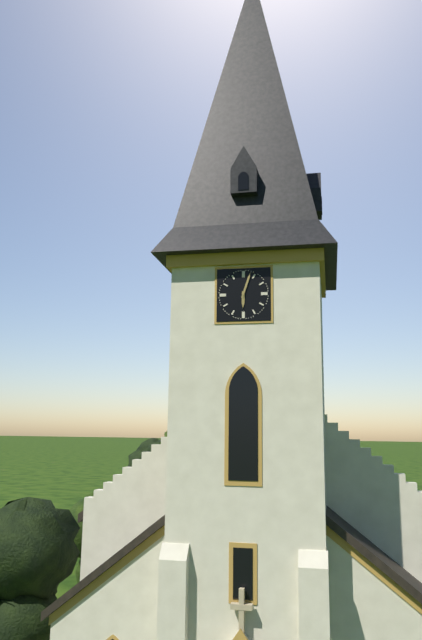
6:03
